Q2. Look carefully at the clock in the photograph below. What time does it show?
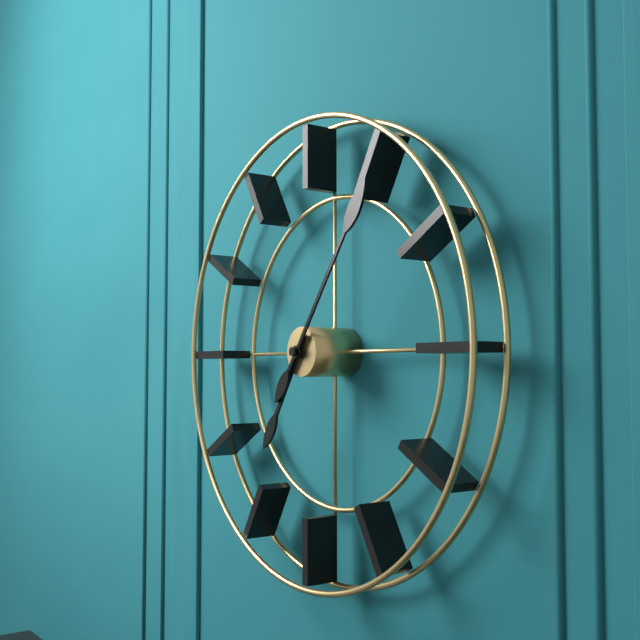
7:06
